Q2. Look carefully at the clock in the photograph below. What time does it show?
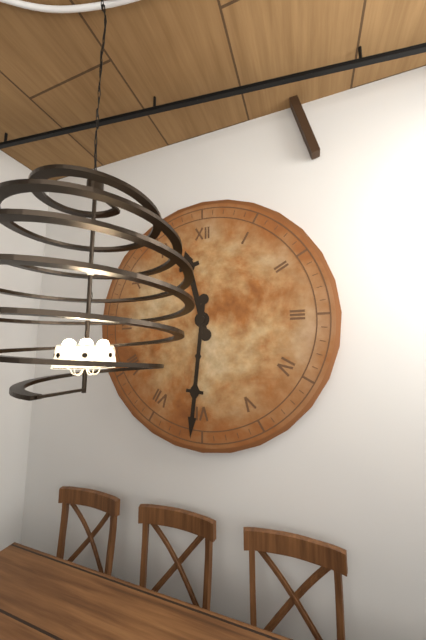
11:31
